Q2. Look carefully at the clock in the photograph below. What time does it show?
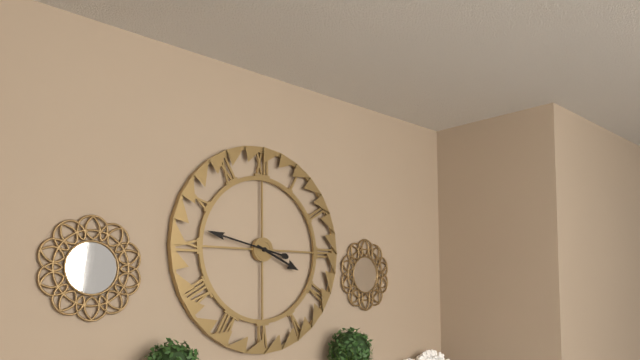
3:47
